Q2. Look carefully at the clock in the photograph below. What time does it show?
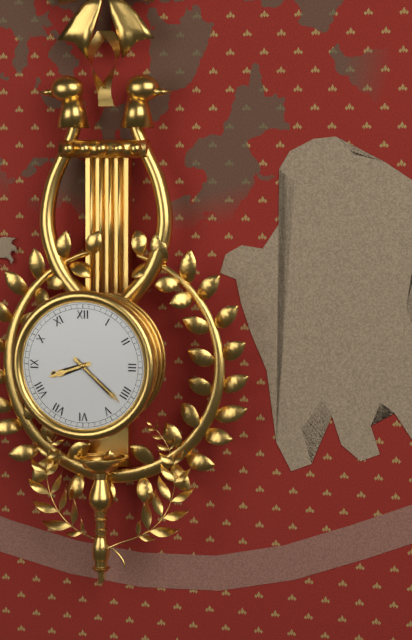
8:22
